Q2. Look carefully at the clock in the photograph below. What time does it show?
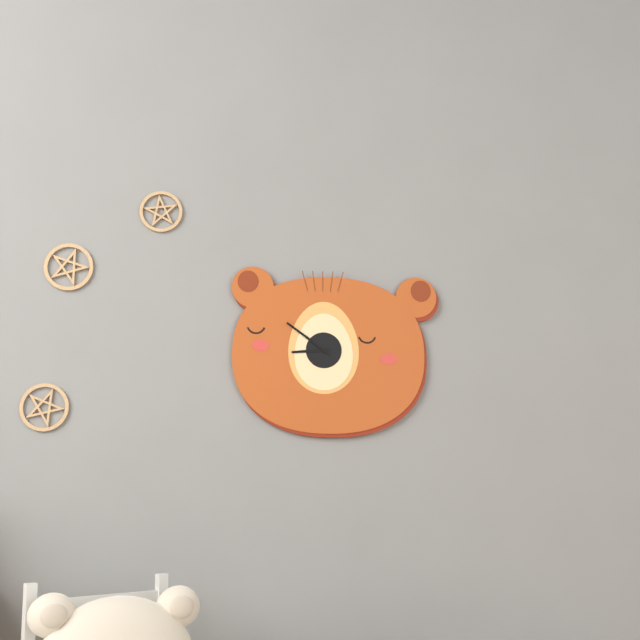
8:51
